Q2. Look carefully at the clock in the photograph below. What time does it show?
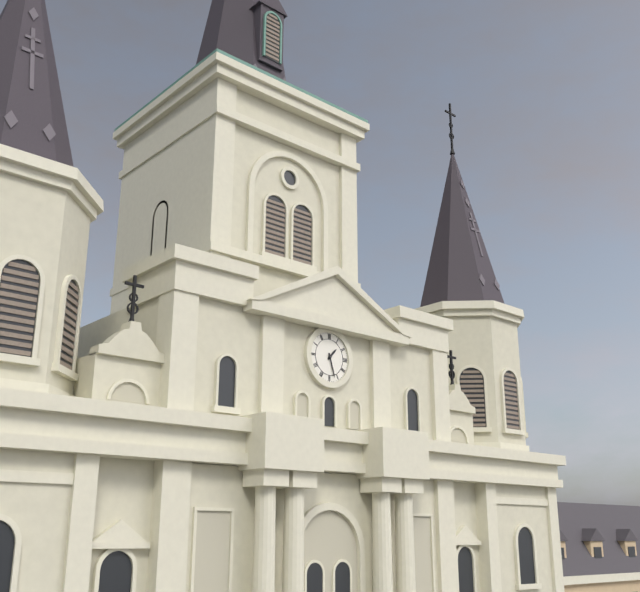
1:27
